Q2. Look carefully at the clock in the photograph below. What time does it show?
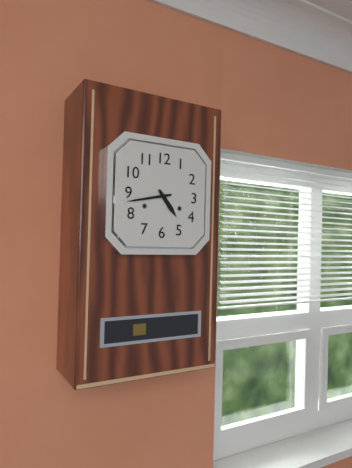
4:43
